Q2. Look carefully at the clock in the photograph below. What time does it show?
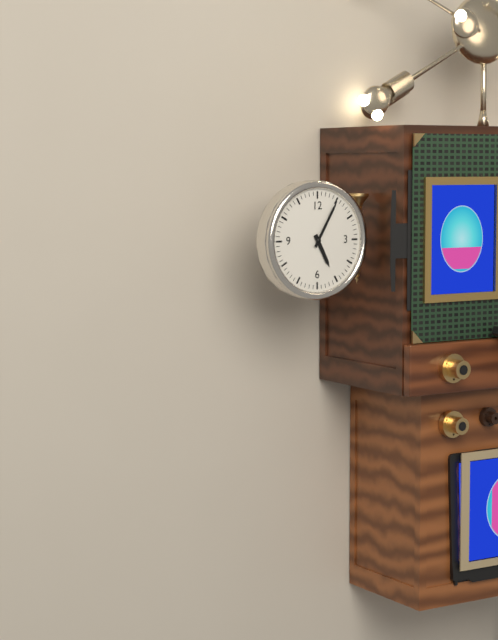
5:05
